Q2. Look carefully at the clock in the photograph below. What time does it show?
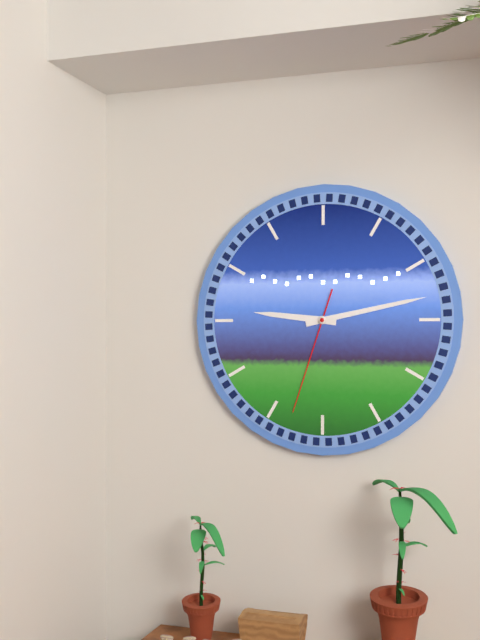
9:13:33
